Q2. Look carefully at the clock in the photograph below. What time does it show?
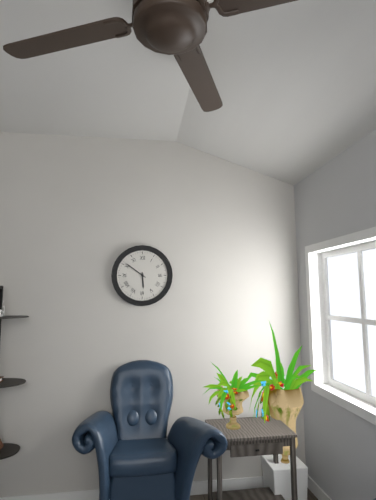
5:51
